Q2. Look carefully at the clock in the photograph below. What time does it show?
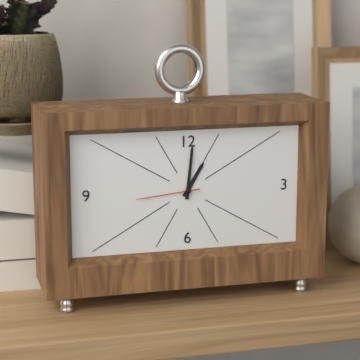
1:01:44
